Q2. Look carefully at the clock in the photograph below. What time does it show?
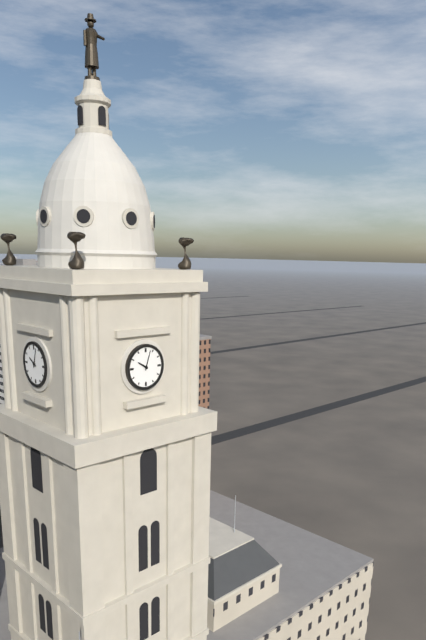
10:03
